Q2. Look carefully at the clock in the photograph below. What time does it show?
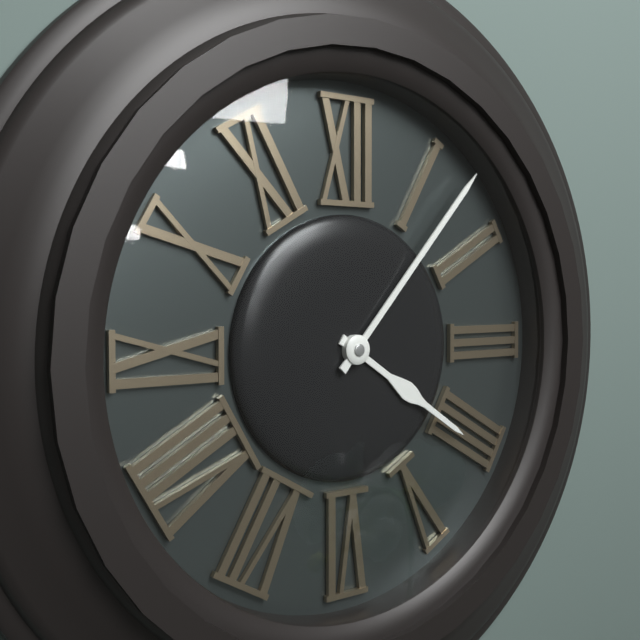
4:07
